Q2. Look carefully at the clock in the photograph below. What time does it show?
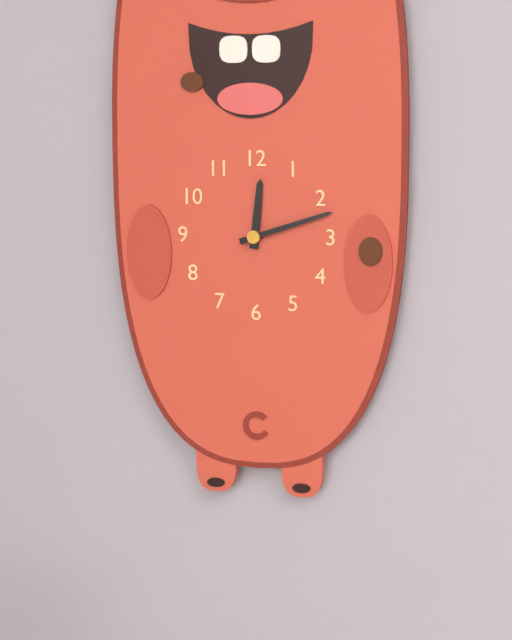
12:12
